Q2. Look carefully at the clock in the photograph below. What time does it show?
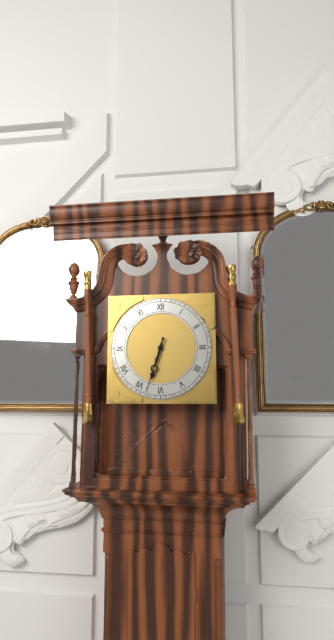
6:33
